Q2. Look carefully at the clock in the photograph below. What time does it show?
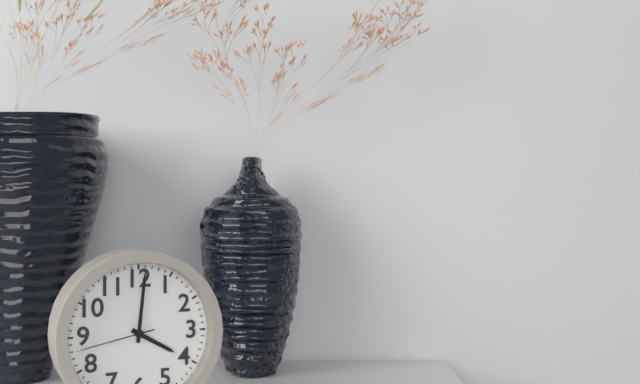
4:01:43
